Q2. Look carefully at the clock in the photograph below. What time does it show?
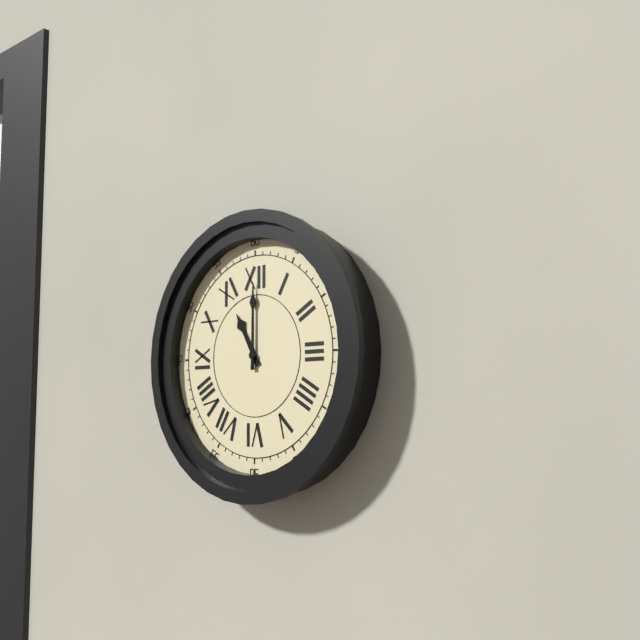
11:00
